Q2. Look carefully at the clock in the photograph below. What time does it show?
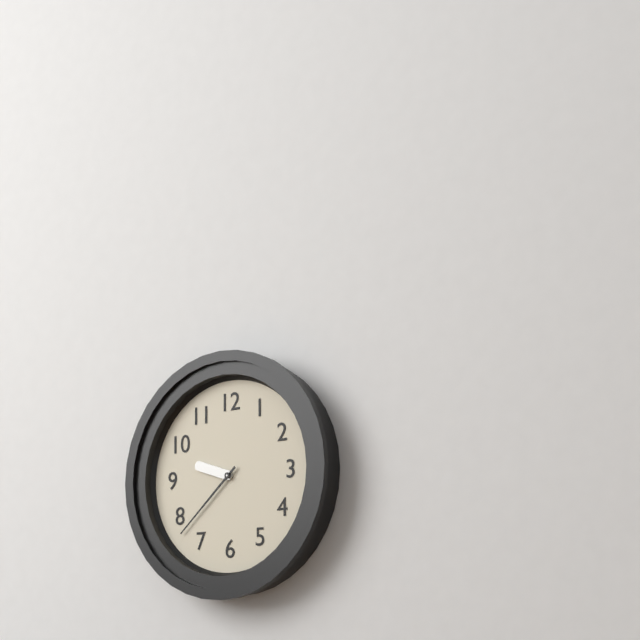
9:38
